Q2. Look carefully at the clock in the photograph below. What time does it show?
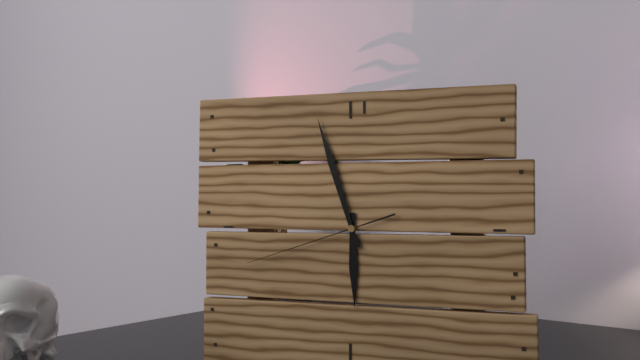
5:57:42
